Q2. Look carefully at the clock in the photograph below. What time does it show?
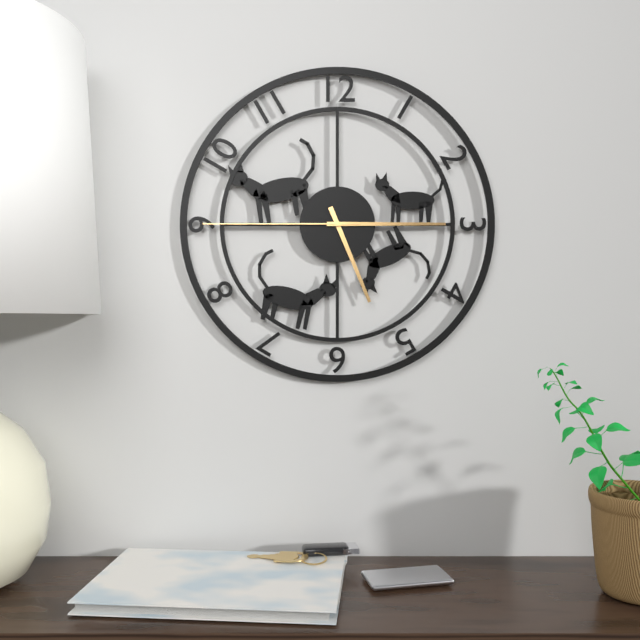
5:15:45
